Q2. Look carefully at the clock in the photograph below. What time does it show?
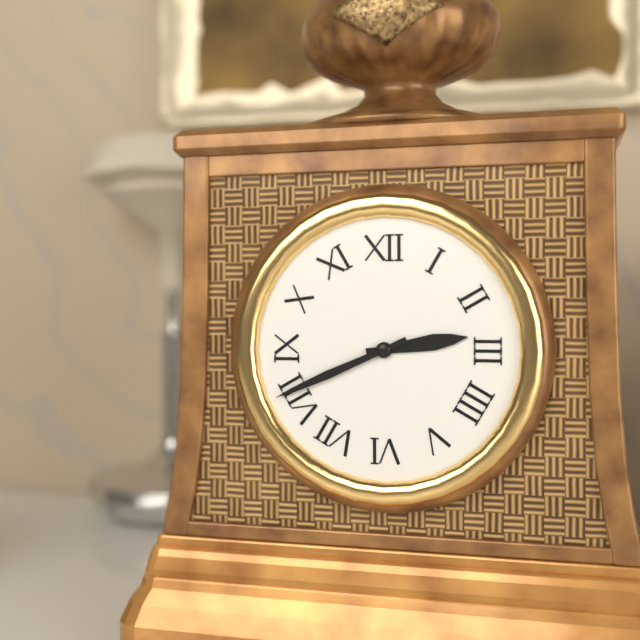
2:41
